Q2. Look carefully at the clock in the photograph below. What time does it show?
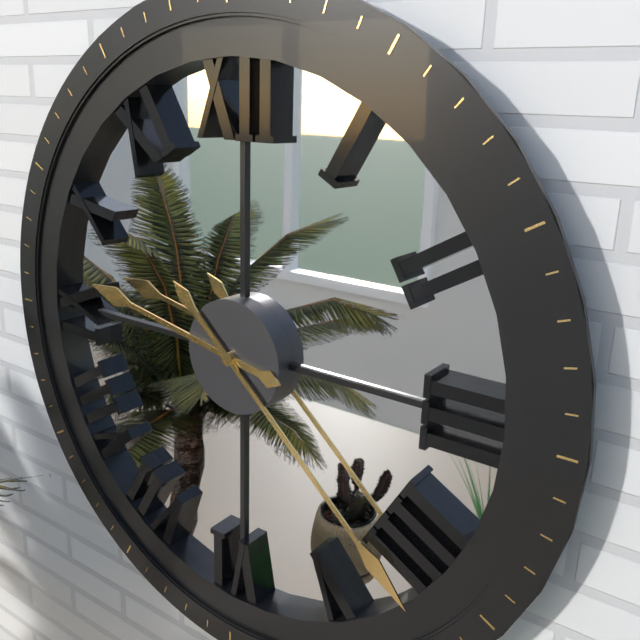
9:22
